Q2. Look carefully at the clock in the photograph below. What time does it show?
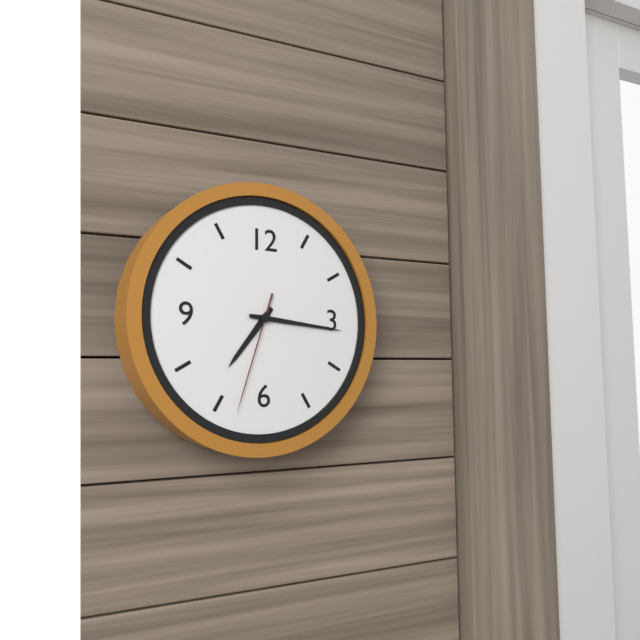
7:16:33
